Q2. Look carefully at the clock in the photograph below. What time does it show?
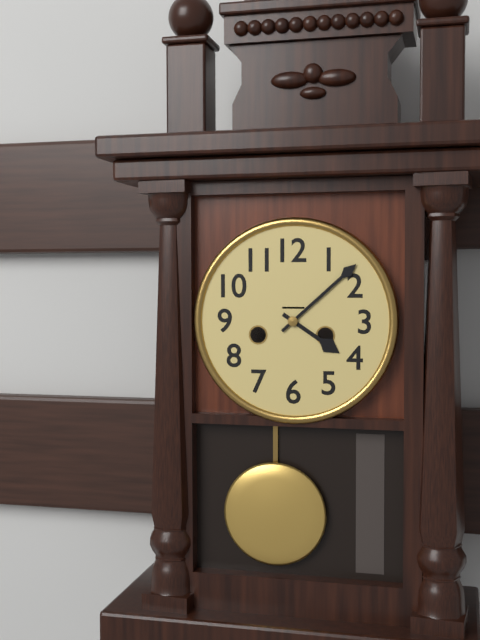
4:08
